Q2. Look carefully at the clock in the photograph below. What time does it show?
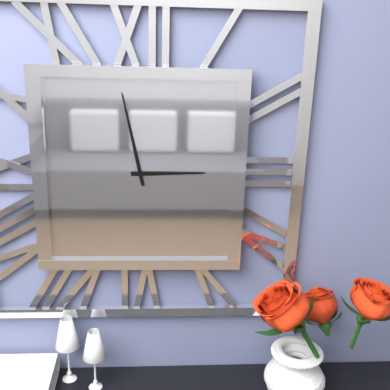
2:58
